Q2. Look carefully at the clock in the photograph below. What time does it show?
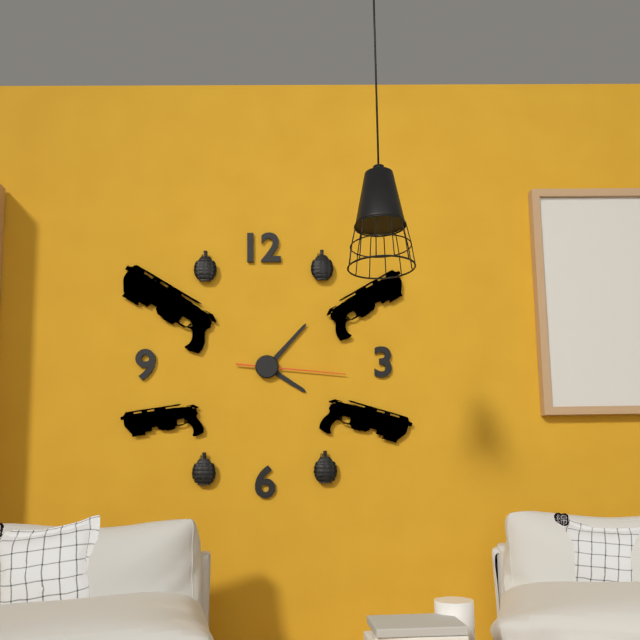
4:07:16
